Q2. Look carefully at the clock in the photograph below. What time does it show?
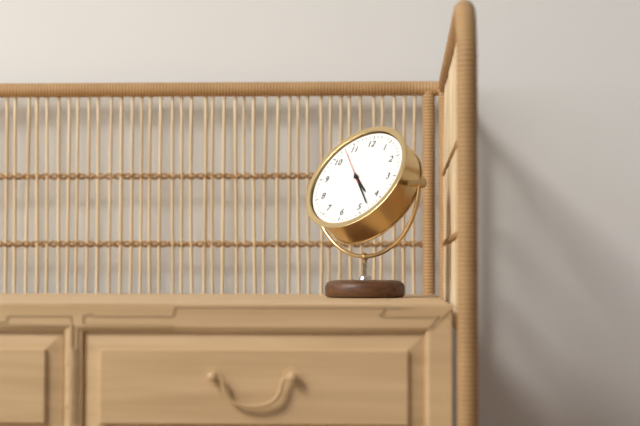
4:23
